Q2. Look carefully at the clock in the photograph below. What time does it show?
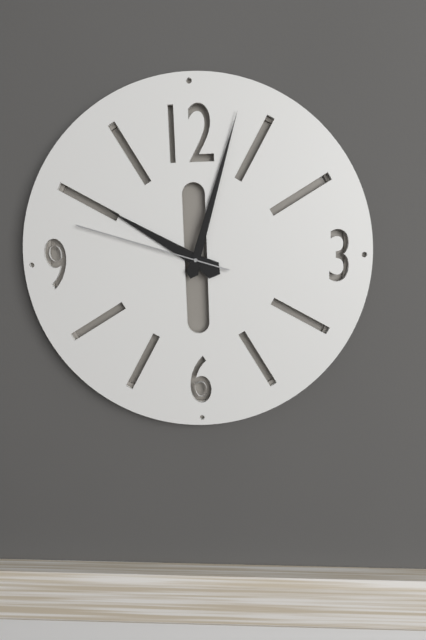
10:03:48
